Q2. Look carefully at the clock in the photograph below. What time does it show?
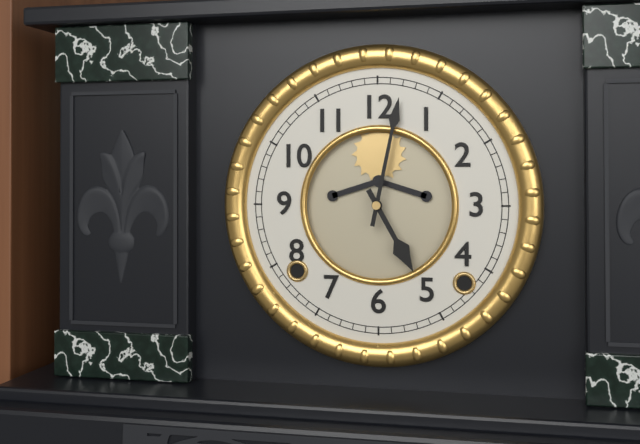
5:02
